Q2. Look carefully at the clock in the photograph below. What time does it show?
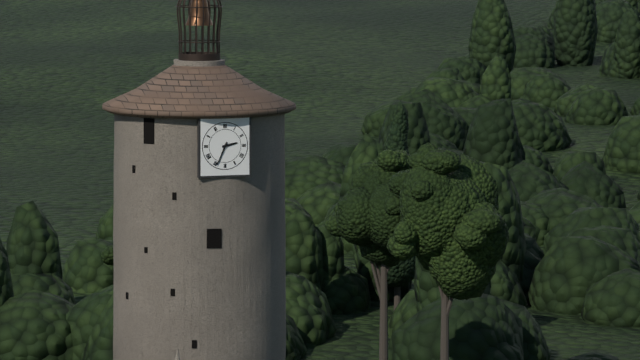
2:34
